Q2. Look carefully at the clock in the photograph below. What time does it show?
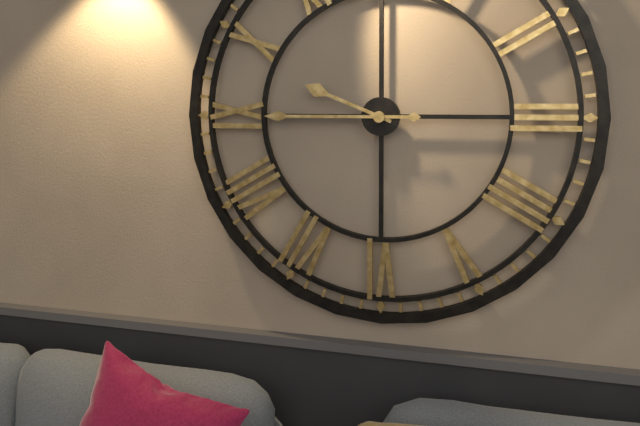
9:45
